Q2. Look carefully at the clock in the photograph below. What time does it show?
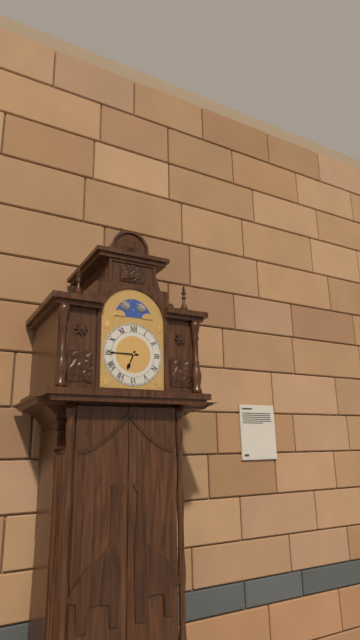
6:45
